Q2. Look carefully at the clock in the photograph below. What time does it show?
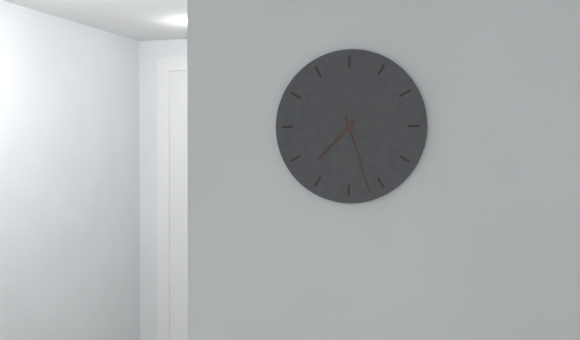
7:27
